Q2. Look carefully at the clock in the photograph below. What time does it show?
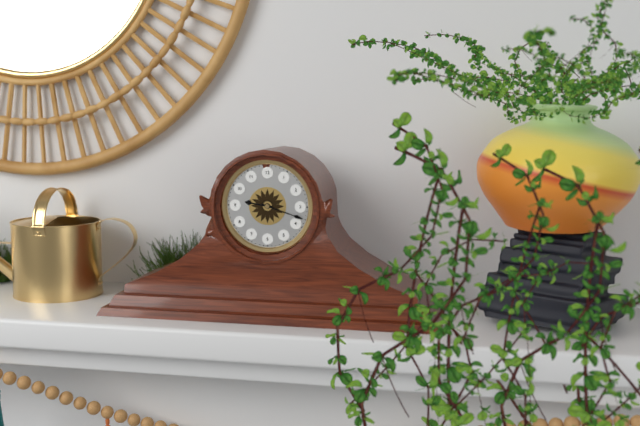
9:18
